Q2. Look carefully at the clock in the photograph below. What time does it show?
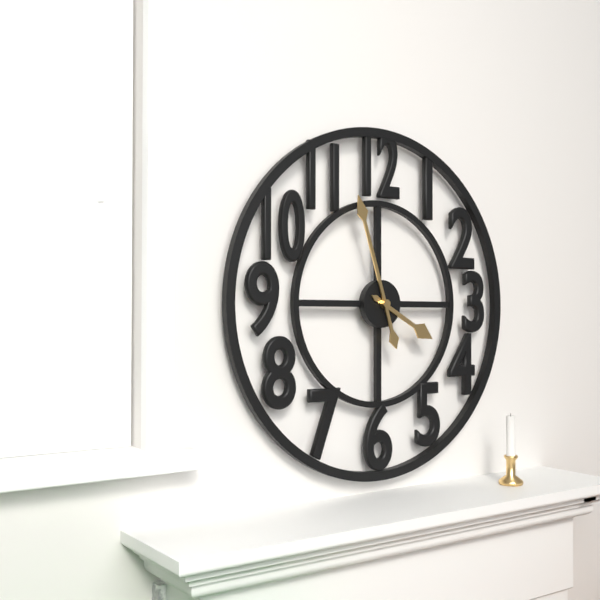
3:57
